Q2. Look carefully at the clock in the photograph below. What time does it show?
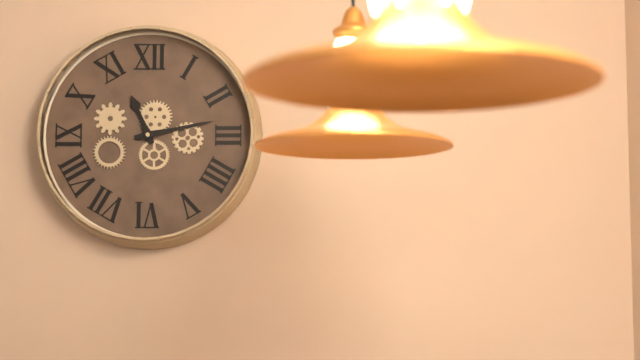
11:13
